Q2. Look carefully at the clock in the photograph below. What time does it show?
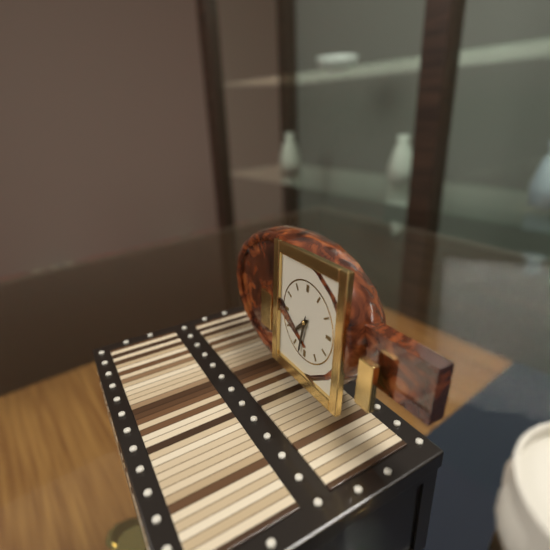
7:32
